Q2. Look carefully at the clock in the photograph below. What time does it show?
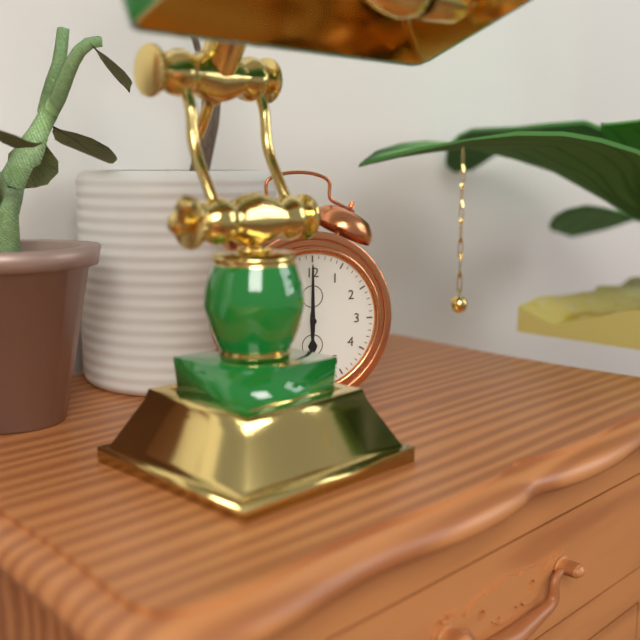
6:00
